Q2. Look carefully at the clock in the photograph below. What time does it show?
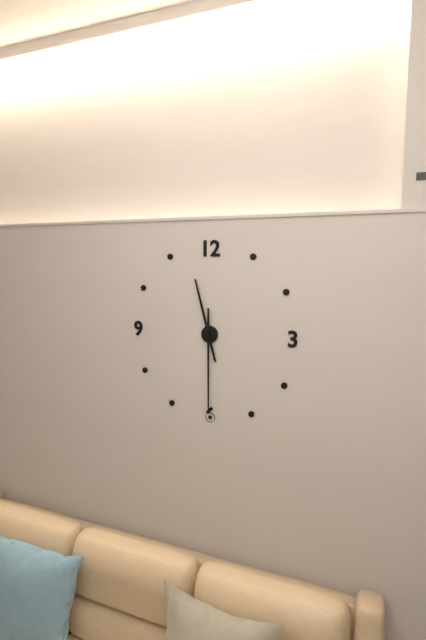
11:30
